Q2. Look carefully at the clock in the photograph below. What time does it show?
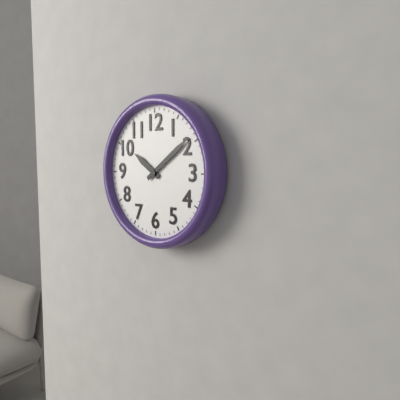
10:09
